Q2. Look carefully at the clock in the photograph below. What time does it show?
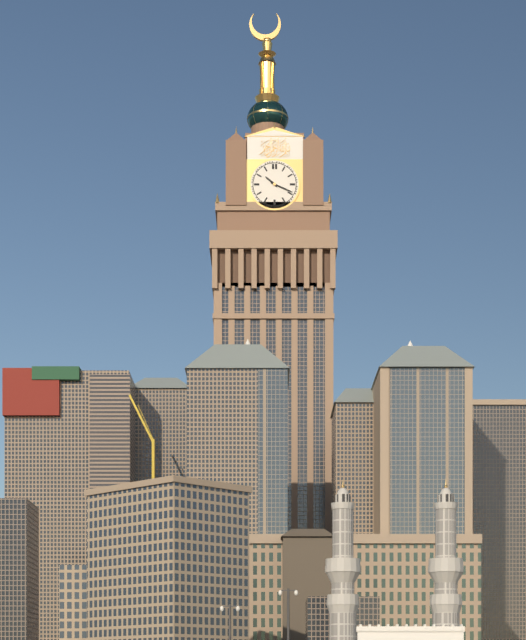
10:19
